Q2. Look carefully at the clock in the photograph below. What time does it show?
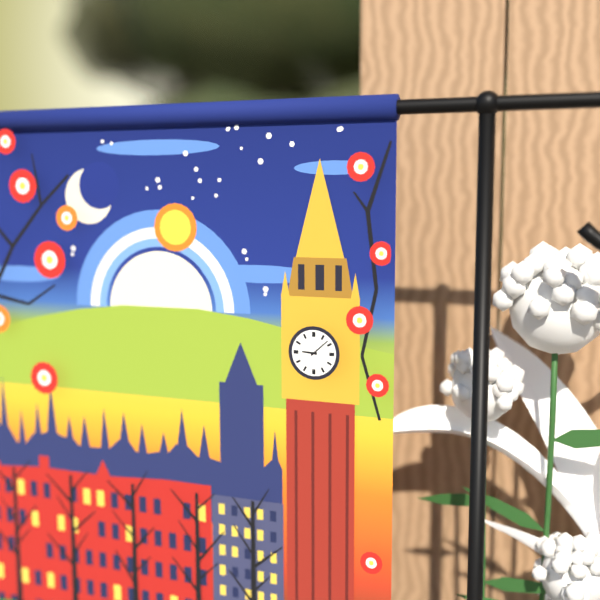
9:08
